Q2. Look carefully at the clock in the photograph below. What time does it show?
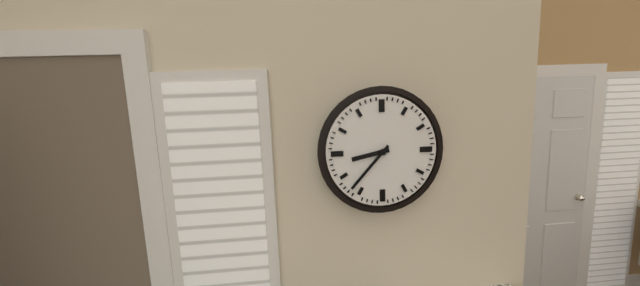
8:37
